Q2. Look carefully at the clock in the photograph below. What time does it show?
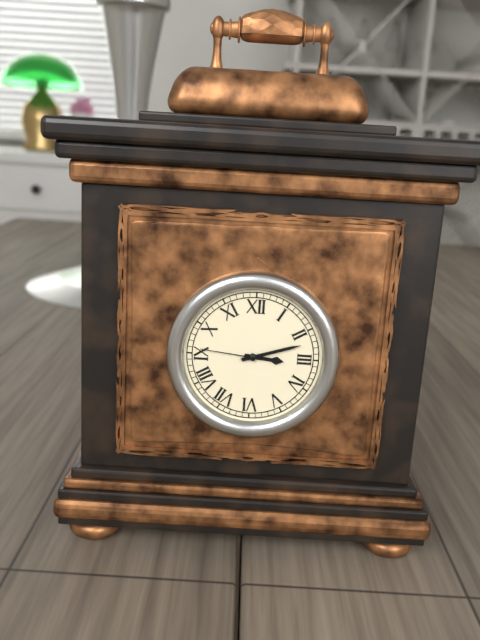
3:12:46
